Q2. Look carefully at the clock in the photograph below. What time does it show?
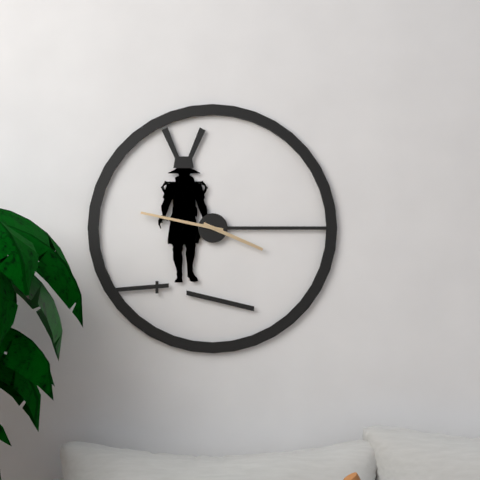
3:47
